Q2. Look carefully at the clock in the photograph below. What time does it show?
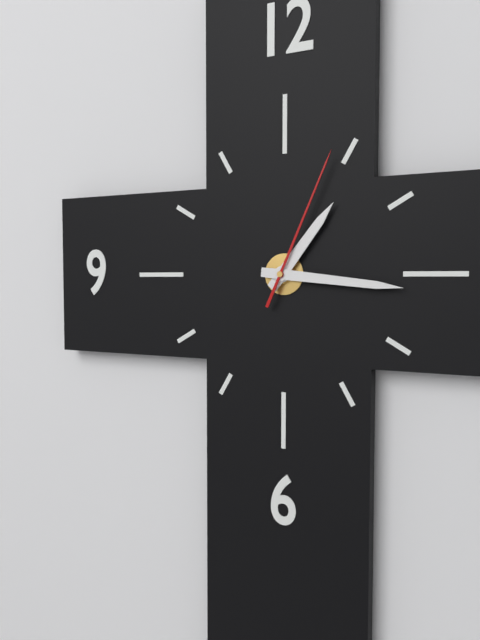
1:16:04
